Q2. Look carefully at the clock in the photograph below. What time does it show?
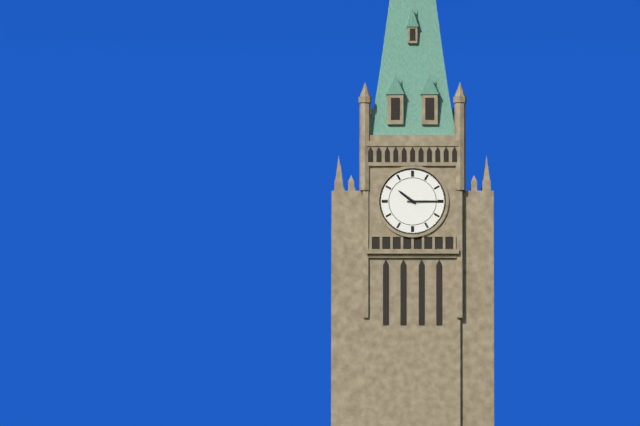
10:15
